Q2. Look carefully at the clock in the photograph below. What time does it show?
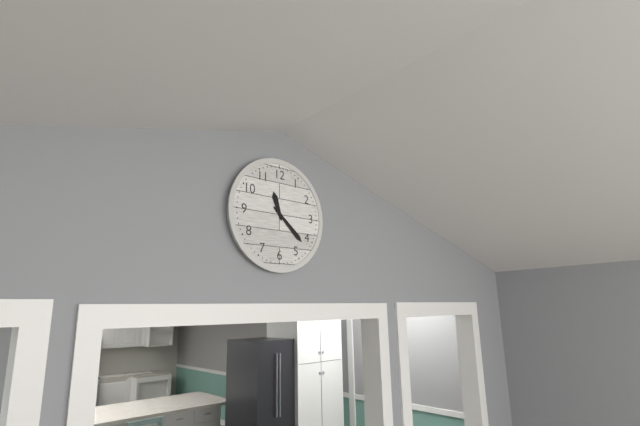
11:22
